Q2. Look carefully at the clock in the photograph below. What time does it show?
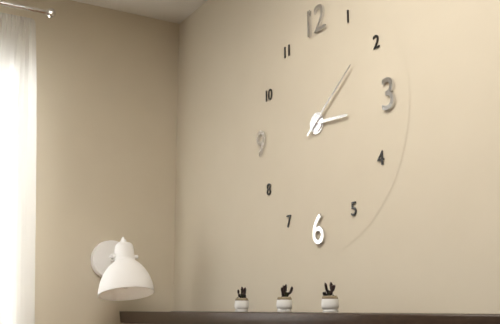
3:09
